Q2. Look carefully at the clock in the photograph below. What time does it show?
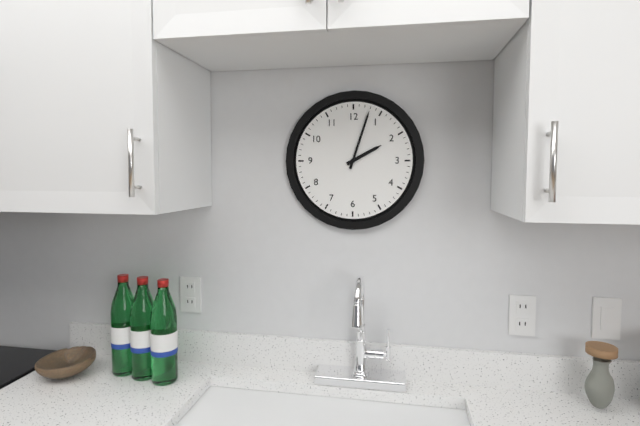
2:03
